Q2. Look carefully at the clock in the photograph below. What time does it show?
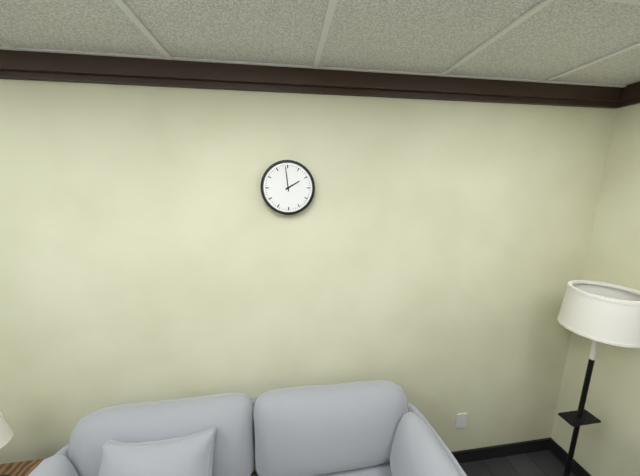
1:59
